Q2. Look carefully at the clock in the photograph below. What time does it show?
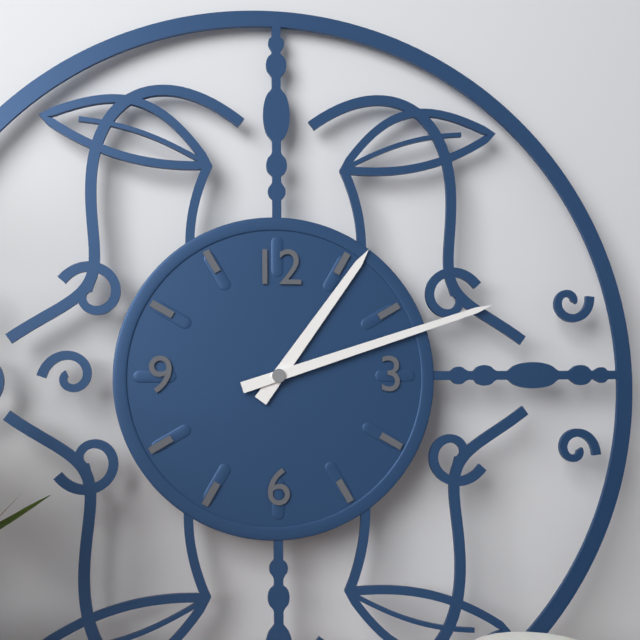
1:12
